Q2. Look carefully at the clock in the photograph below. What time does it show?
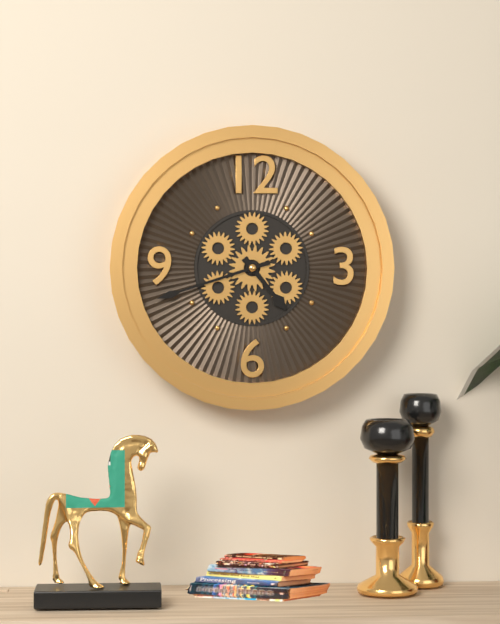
4:42
